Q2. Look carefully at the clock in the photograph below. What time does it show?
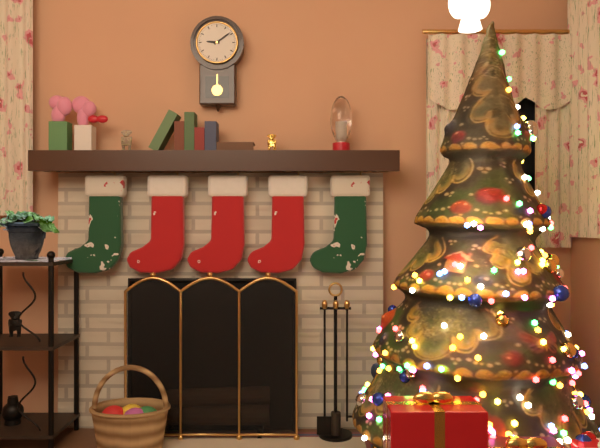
9:09
